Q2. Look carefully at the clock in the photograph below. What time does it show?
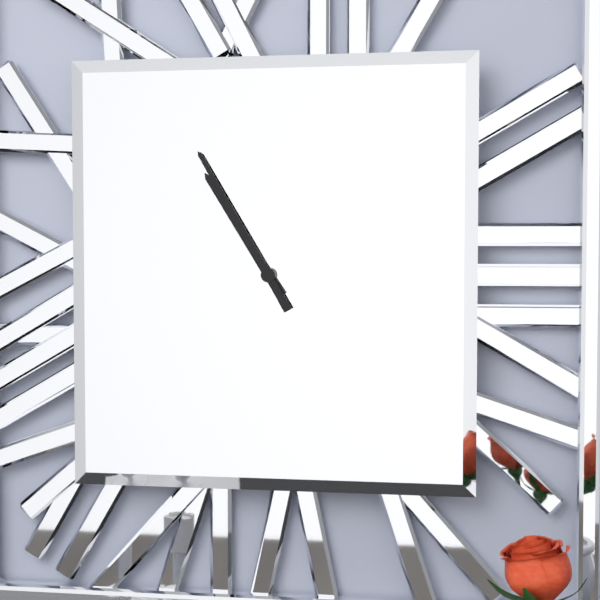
10:55
